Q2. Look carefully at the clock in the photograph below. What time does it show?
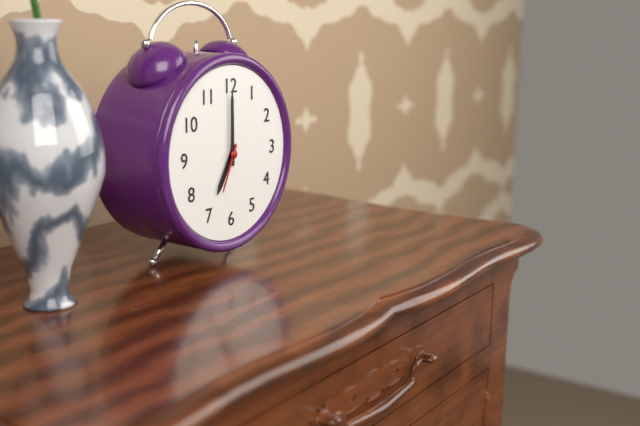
7:00
